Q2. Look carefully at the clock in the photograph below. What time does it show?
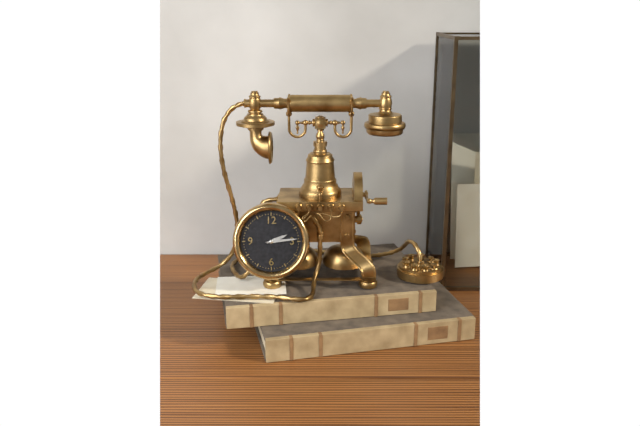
2:14
